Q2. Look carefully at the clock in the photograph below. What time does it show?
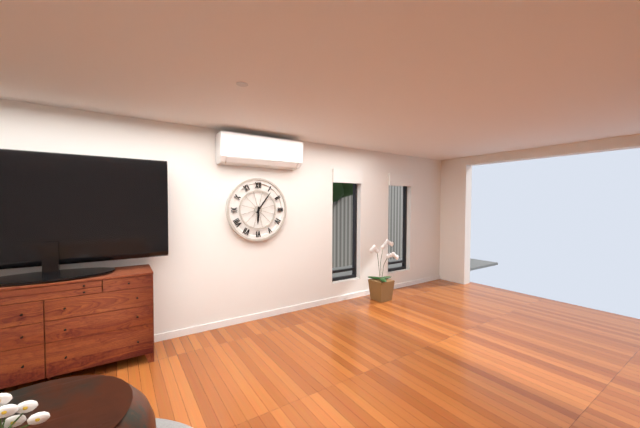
6:06
